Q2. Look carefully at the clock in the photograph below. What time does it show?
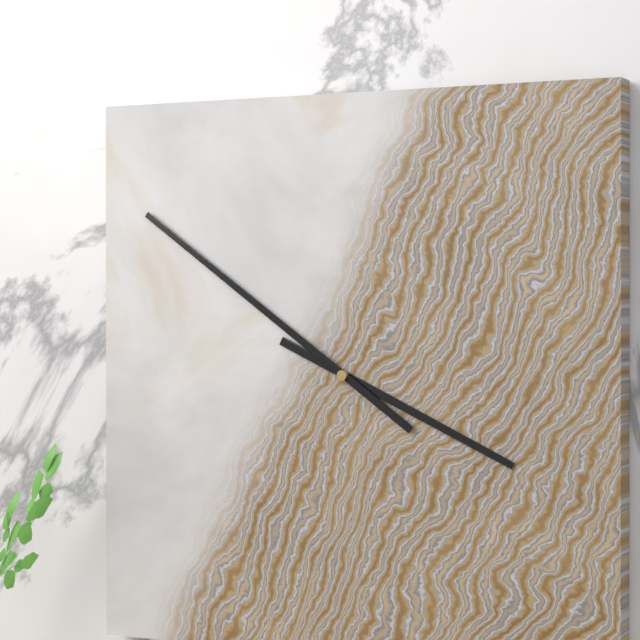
3:51
